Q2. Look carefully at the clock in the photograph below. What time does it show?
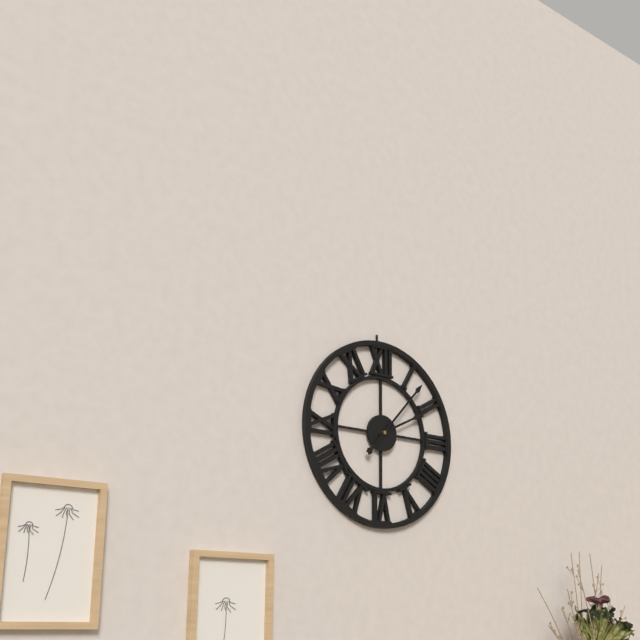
2:07
